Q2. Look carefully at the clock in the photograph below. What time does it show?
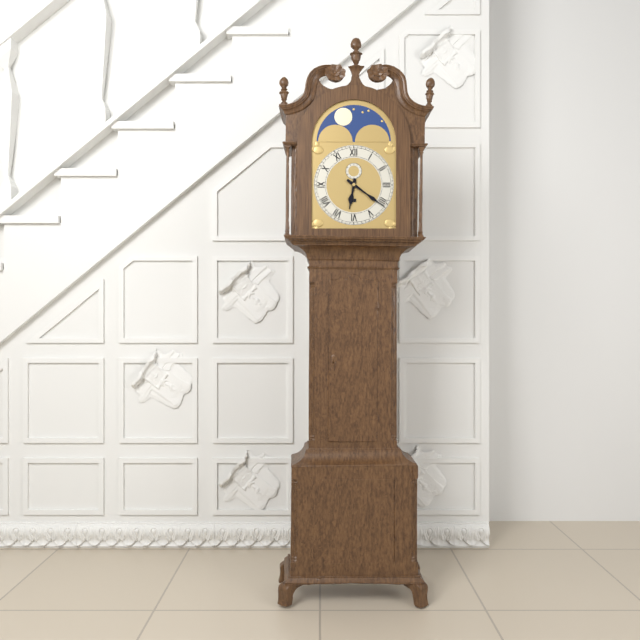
6:21
